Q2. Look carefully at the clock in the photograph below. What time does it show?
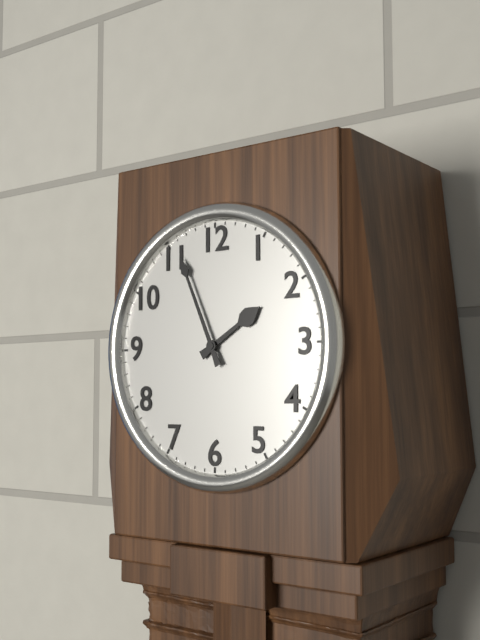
1:56
